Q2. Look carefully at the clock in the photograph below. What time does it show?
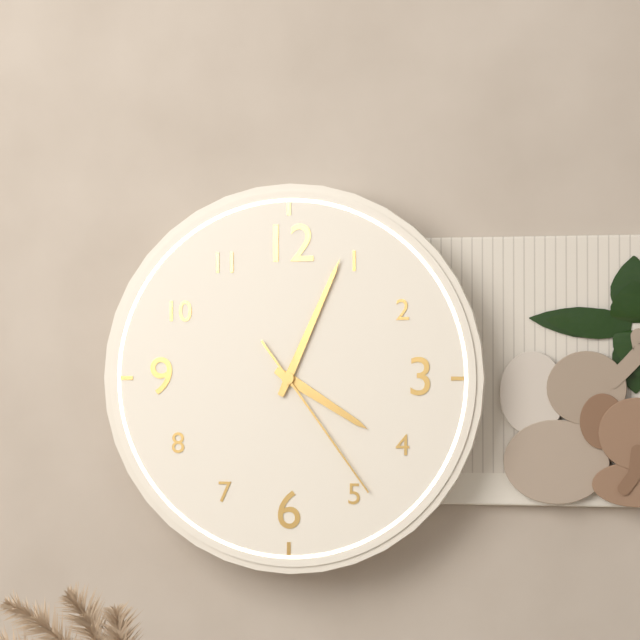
4:04:24
